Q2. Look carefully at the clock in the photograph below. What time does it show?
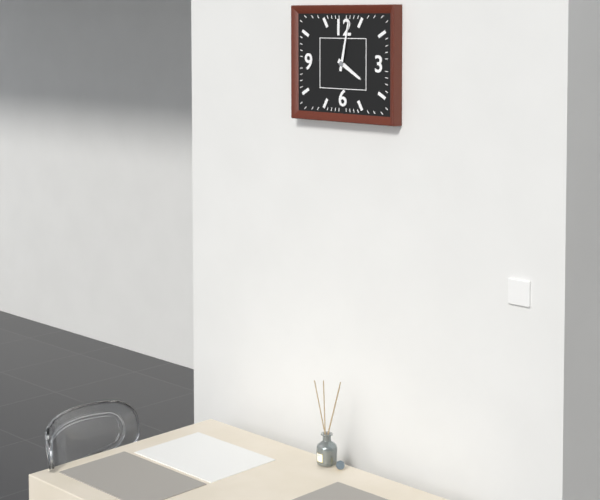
4:02
